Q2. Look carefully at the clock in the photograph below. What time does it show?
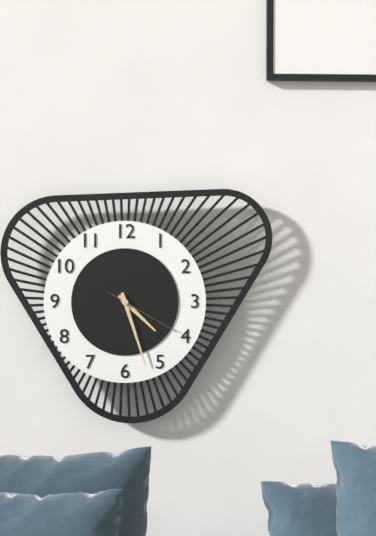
4:27:20
